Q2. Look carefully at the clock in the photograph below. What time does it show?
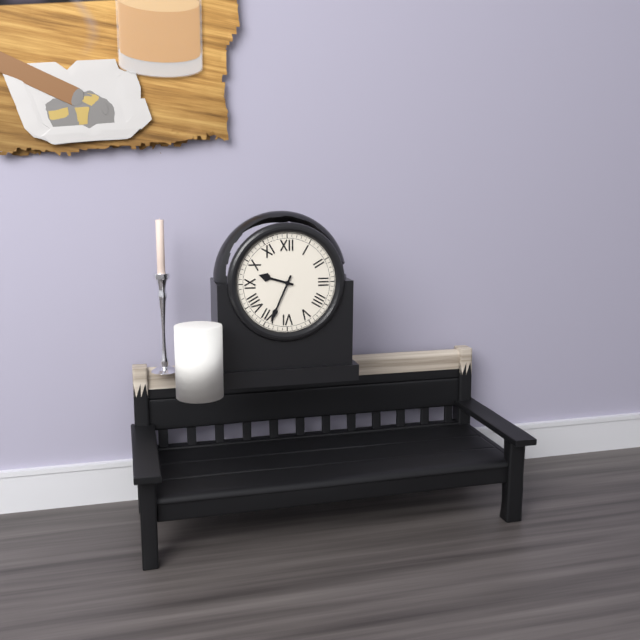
9:34
